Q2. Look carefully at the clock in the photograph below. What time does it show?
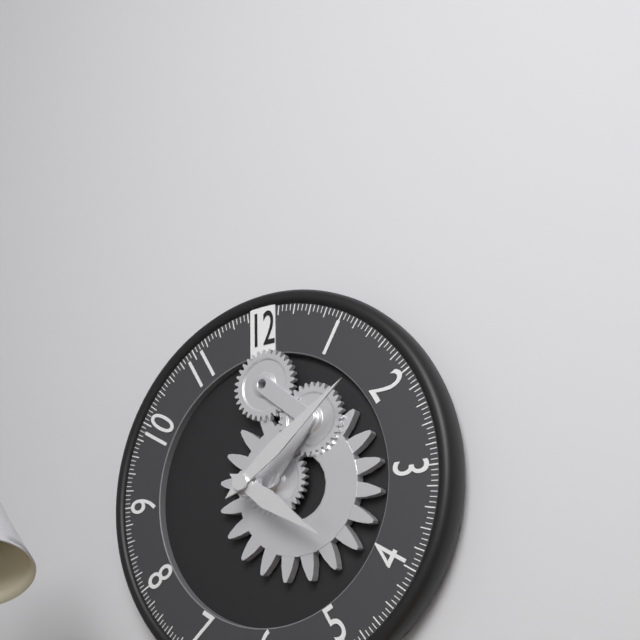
4:09
